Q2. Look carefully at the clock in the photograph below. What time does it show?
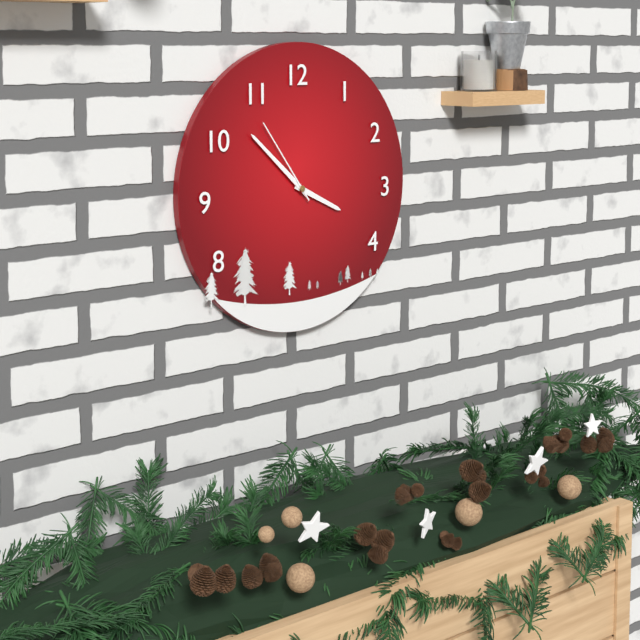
3:52:54
